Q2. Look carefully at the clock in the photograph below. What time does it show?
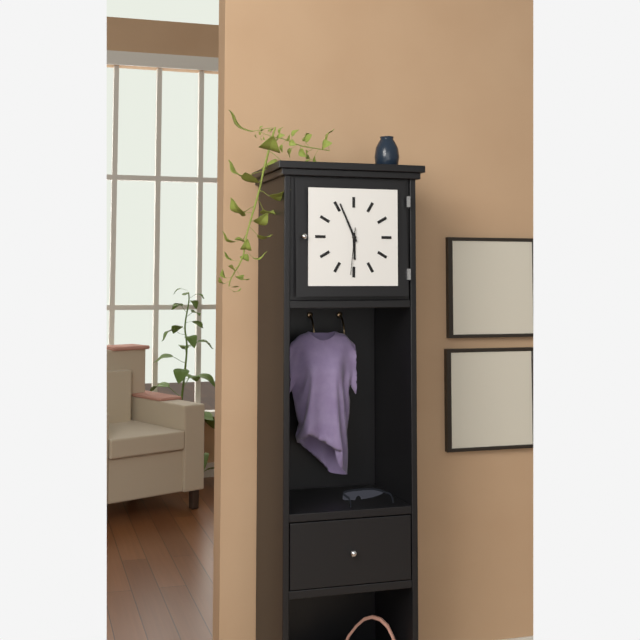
5:56
